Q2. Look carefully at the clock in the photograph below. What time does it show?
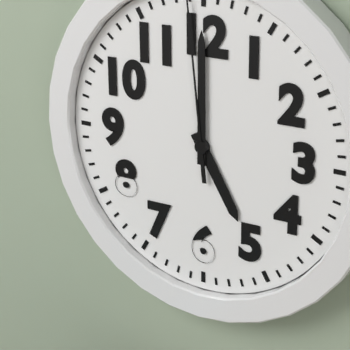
5:00
